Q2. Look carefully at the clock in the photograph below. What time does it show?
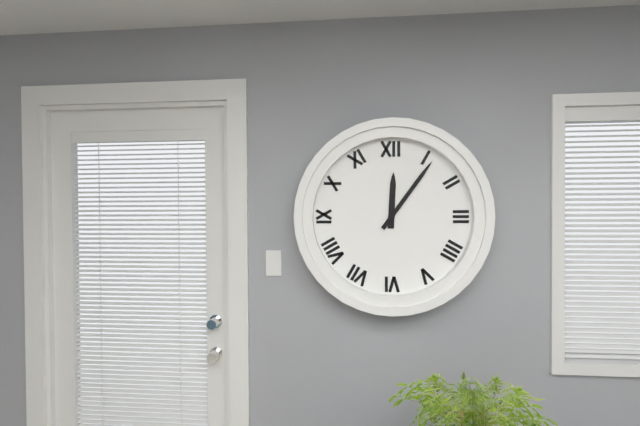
12:06
